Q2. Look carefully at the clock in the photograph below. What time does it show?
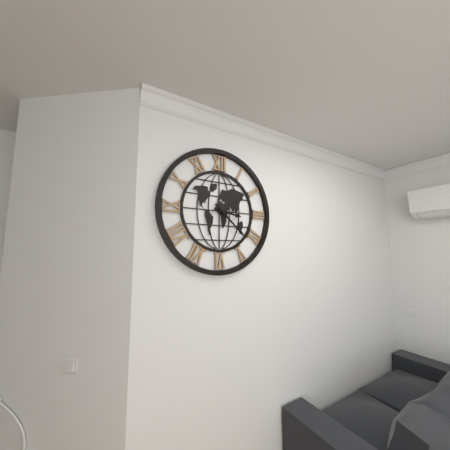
3:22
